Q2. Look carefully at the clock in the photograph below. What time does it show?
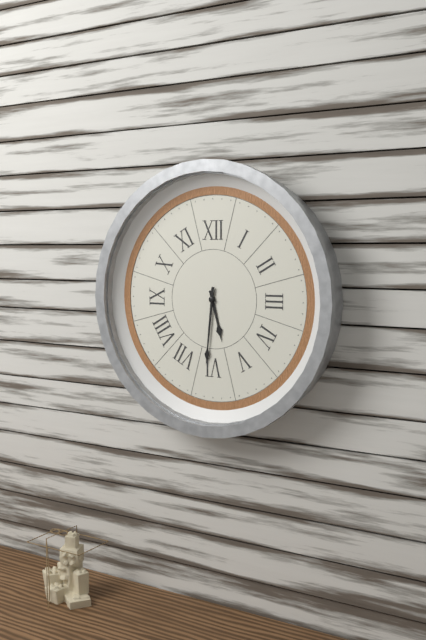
5:31
